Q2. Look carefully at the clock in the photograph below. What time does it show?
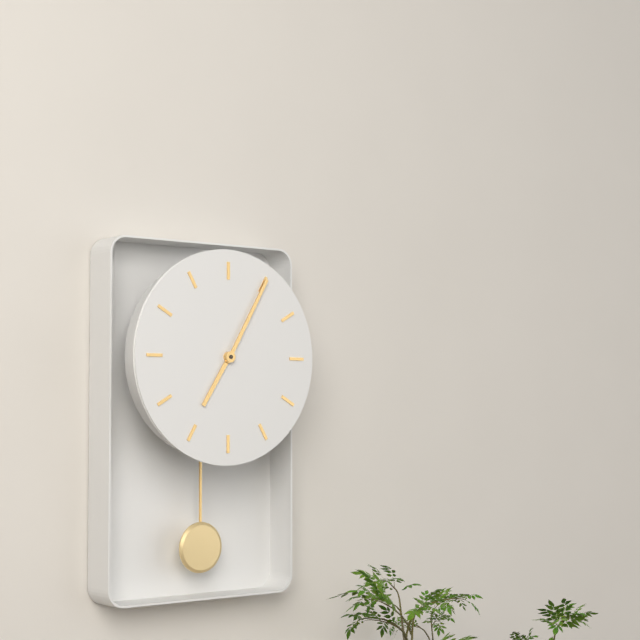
7:05
